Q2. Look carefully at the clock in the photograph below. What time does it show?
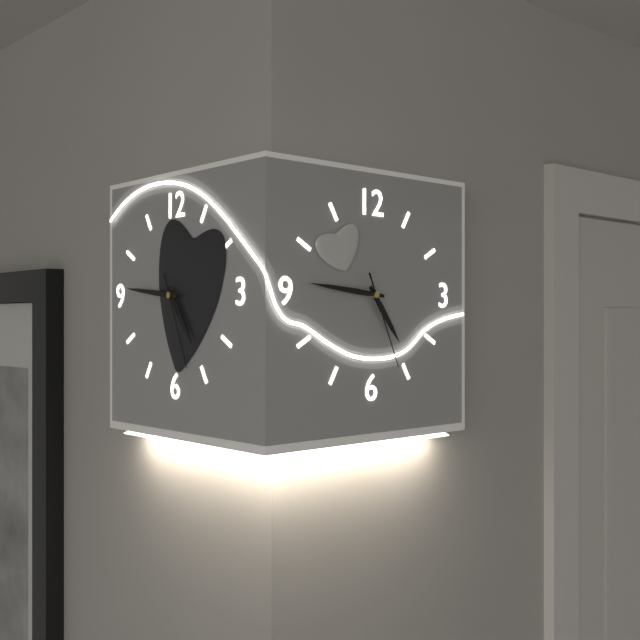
4:46:26
